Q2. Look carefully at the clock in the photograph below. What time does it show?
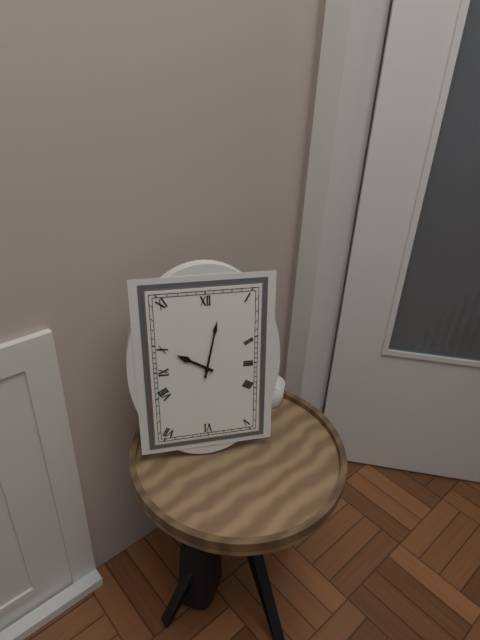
10:02
